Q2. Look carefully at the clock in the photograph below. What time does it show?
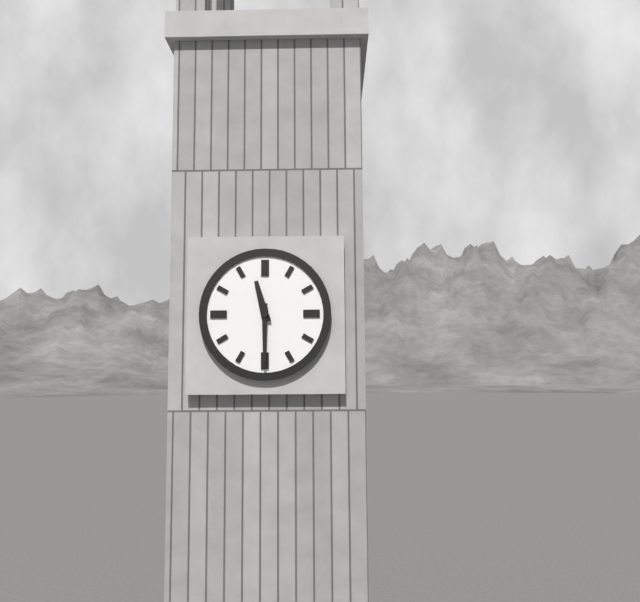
11:30
